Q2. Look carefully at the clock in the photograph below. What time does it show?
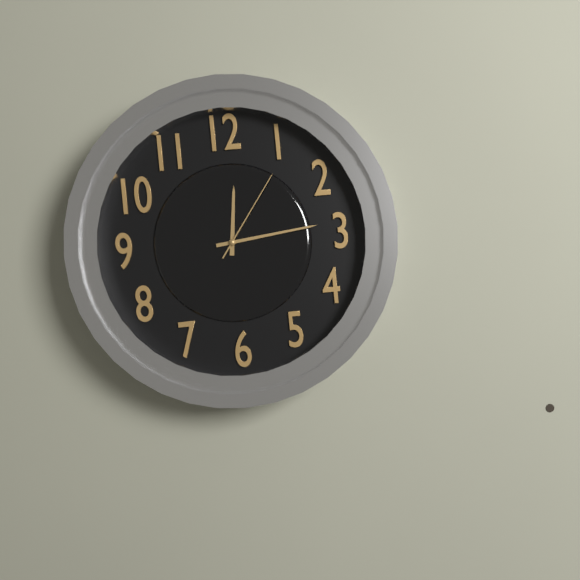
12:14:06
